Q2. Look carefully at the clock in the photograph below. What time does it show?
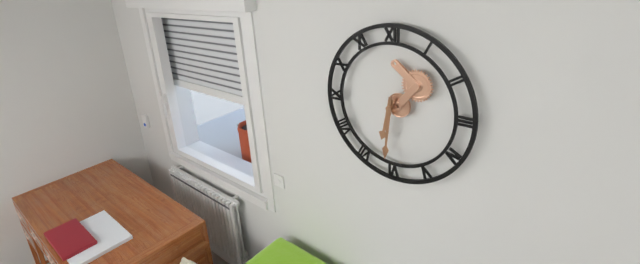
6:31
